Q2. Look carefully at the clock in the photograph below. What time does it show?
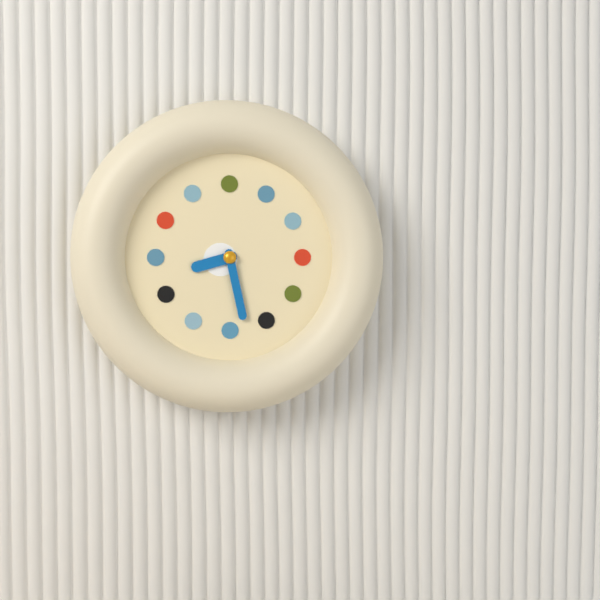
8:28
